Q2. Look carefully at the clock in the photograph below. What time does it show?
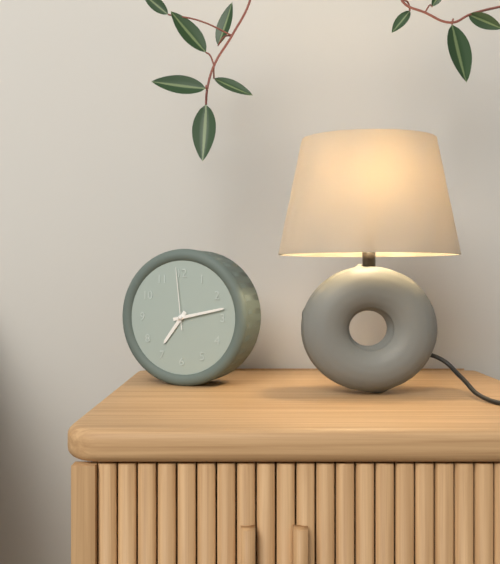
7:13:59
